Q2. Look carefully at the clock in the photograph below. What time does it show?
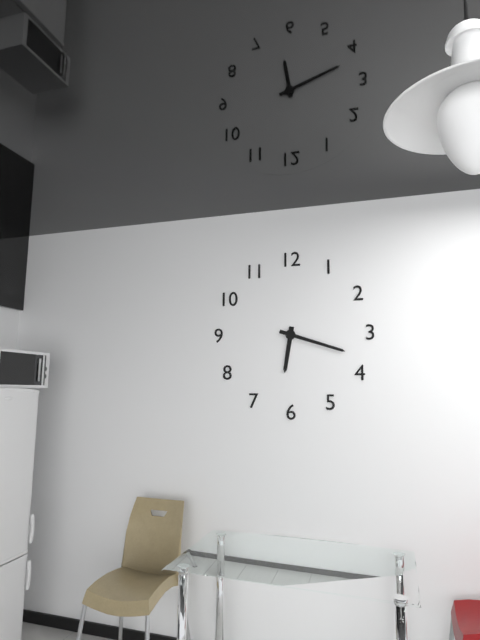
6:18
